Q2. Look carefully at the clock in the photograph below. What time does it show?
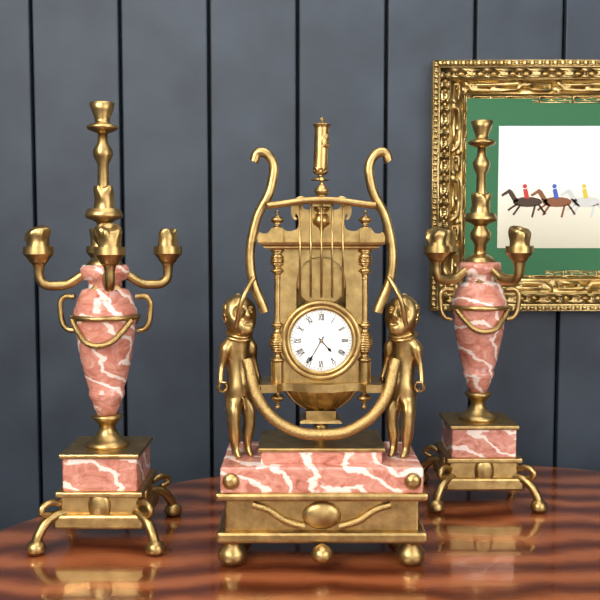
4:35
